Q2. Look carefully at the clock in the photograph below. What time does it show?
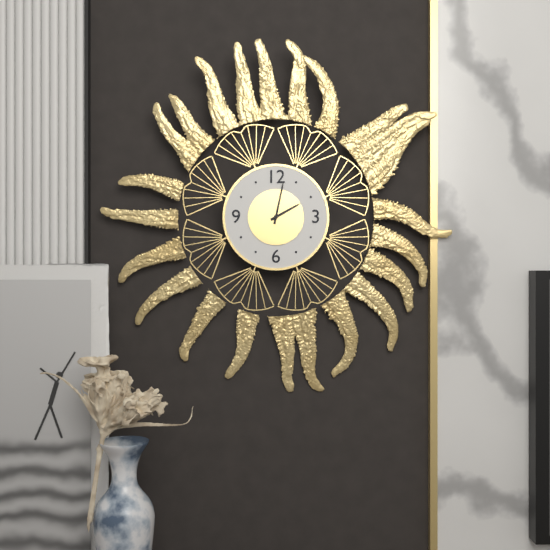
2:02
